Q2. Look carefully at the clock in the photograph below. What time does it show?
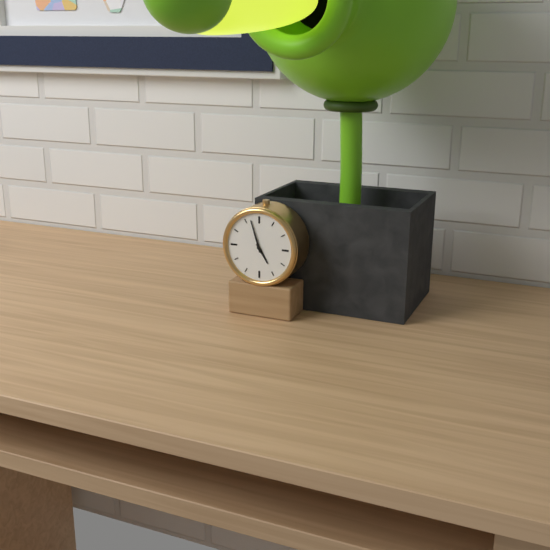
4:57
